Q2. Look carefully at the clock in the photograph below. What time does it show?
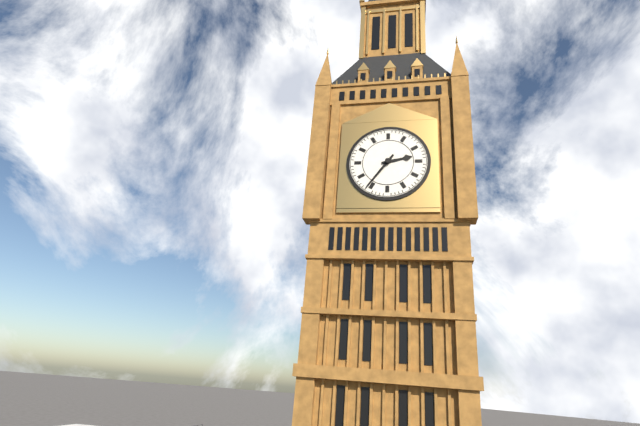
2:36
